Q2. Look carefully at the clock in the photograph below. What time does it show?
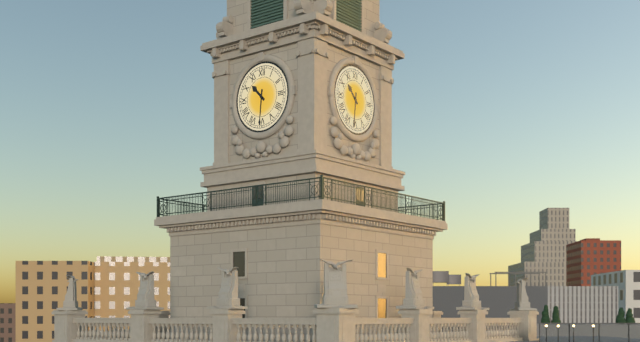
10:31
